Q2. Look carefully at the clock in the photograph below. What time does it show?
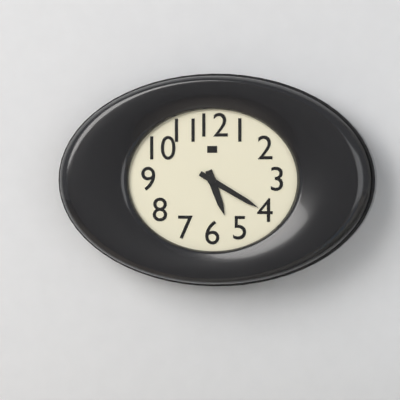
5:20
